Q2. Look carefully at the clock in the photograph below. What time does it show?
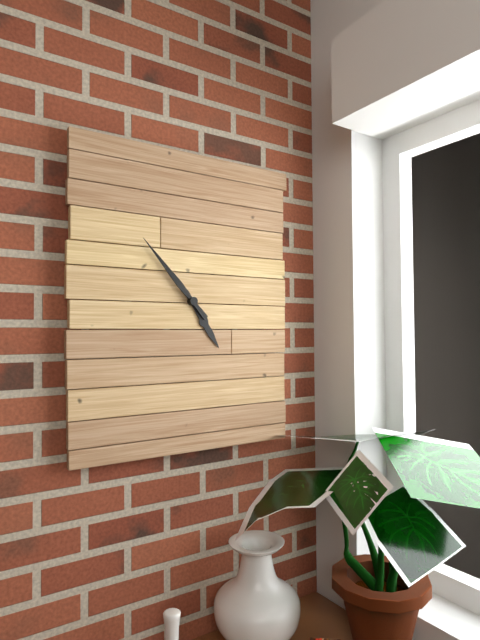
4:53
